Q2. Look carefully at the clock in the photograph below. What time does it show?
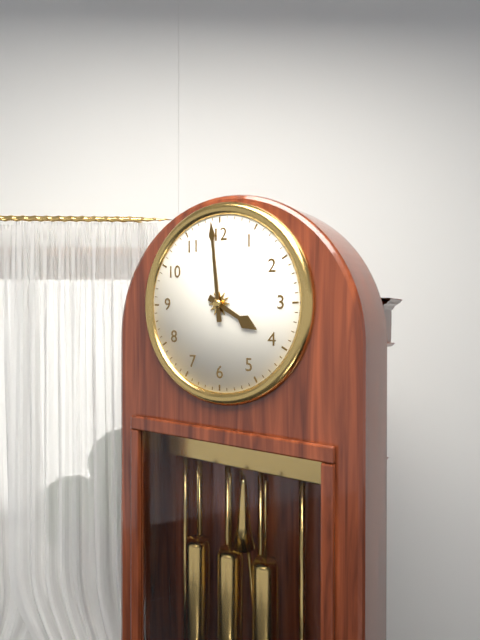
3:59
